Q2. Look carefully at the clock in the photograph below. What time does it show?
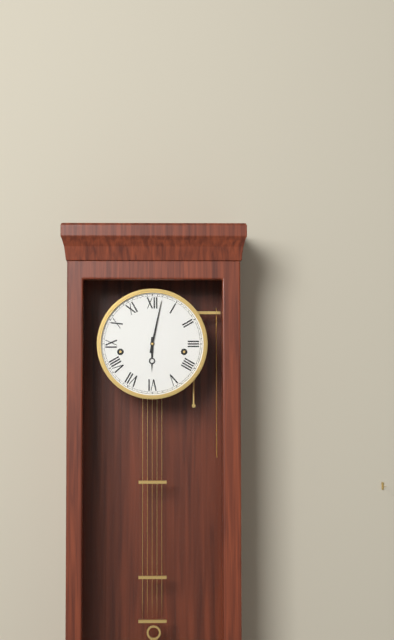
6:02
